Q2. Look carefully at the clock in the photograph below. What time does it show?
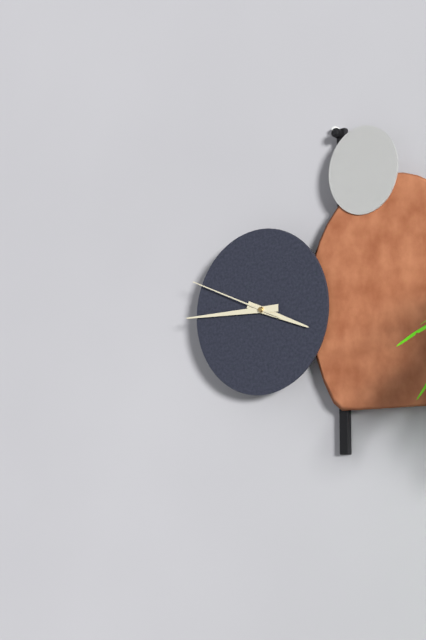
3:45:49
